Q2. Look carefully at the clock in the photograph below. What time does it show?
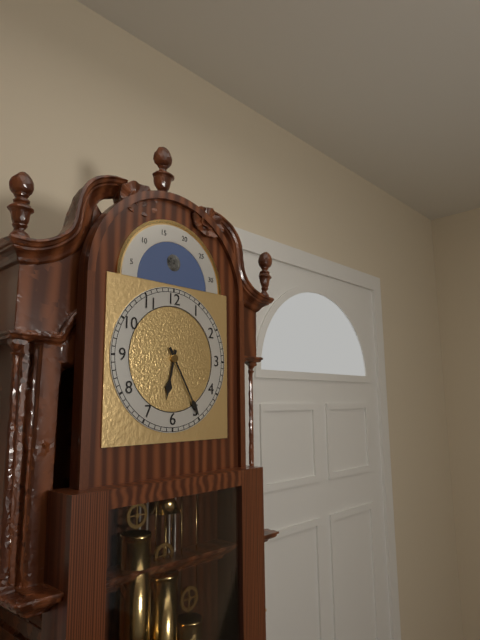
6:25
